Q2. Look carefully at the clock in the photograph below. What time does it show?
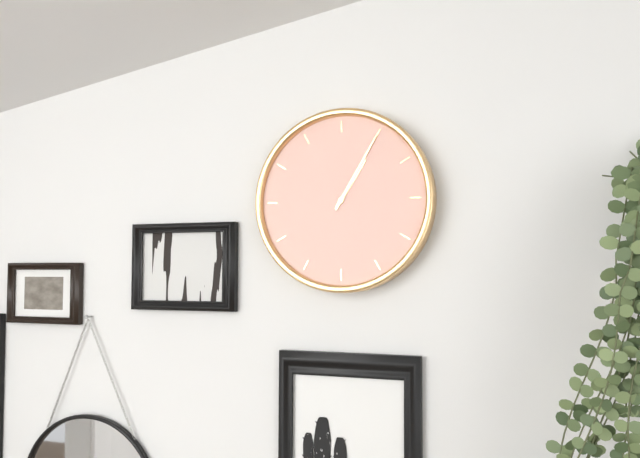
1:05
